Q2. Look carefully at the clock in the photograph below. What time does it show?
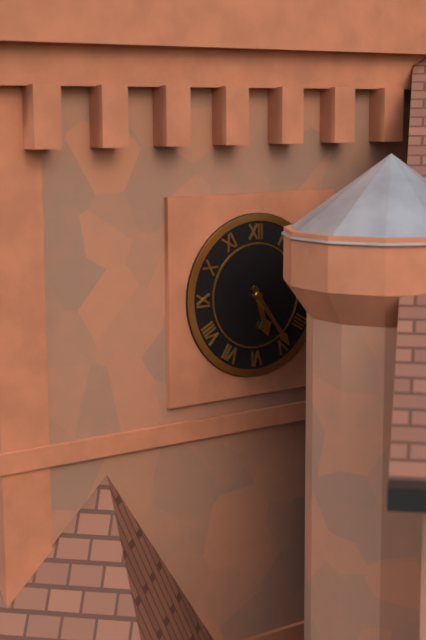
5:24
